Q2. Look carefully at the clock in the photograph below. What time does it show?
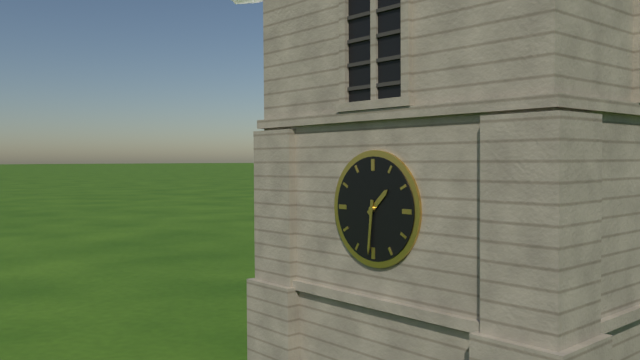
1:31
